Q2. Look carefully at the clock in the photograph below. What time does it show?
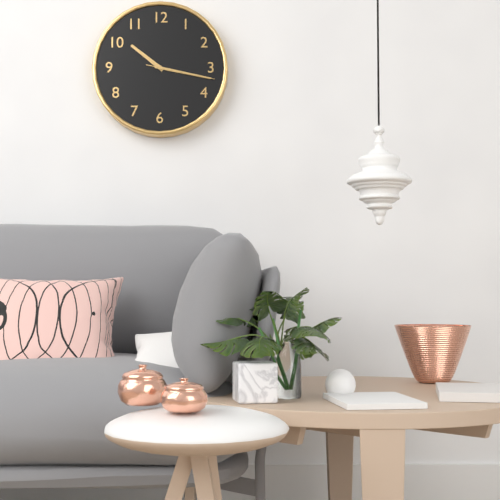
10:17:17
